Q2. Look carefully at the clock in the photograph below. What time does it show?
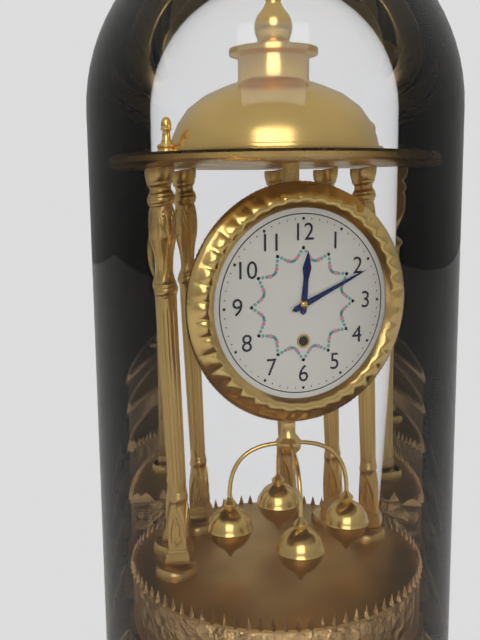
12:11
